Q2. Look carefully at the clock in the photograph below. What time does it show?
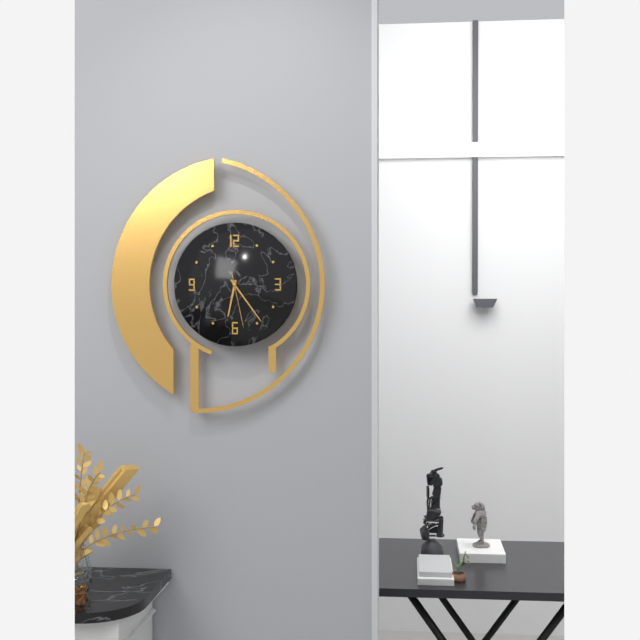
6:24:28
